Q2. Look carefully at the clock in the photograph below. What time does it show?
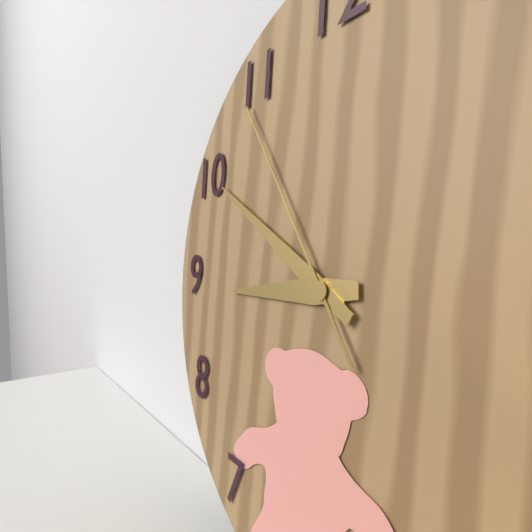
8:50:54
